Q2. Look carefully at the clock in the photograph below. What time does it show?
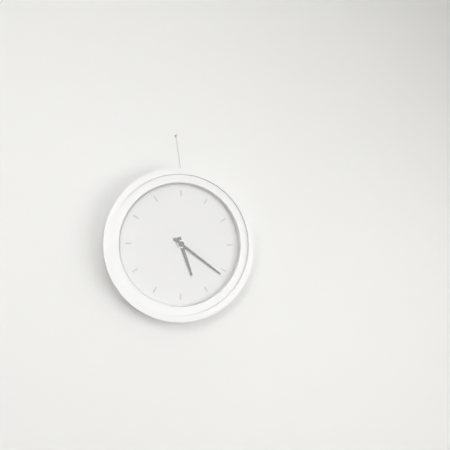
5:21
